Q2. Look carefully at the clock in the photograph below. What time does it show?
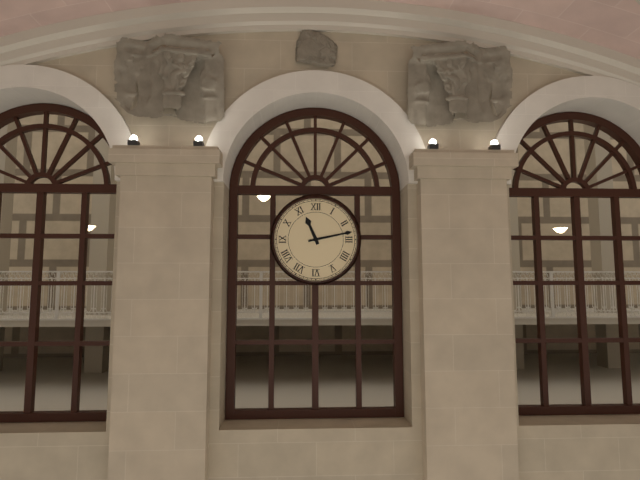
11:13
